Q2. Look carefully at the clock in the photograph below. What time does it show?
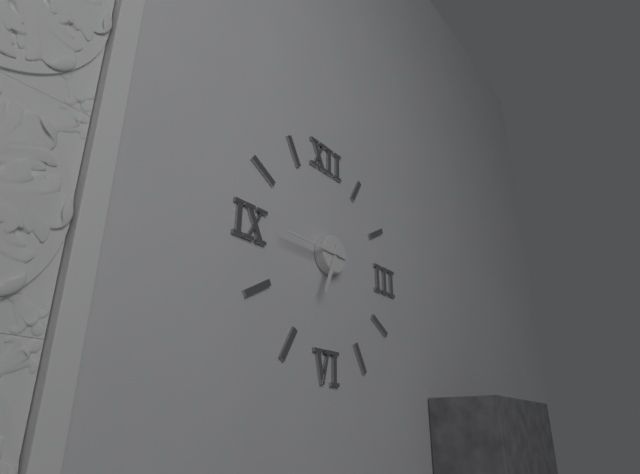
6:45
